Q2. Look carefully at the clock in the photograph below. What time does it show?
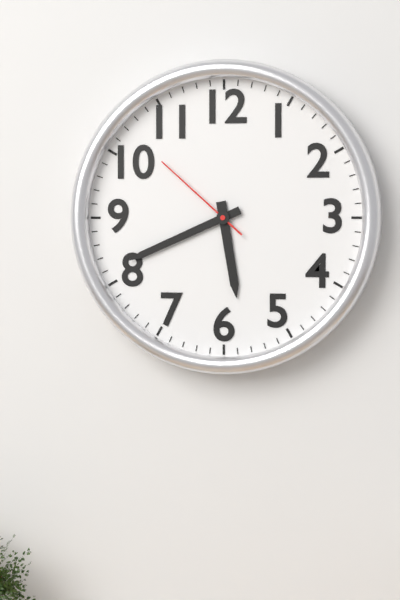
5:41:52
